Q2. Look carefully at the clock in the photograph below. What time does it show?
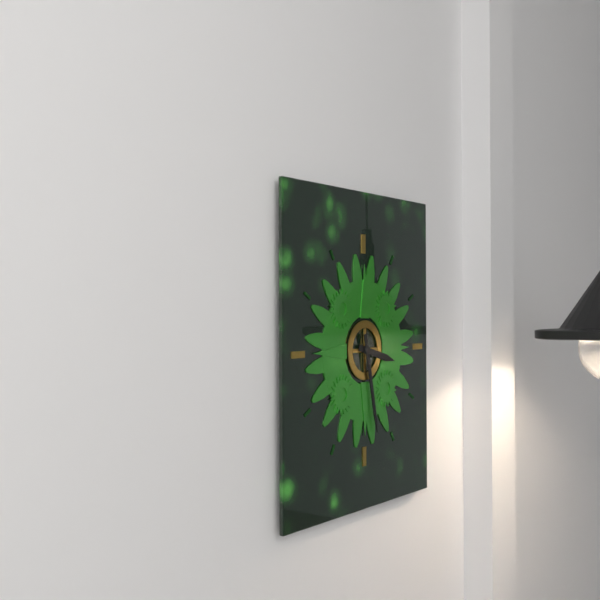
3:28
